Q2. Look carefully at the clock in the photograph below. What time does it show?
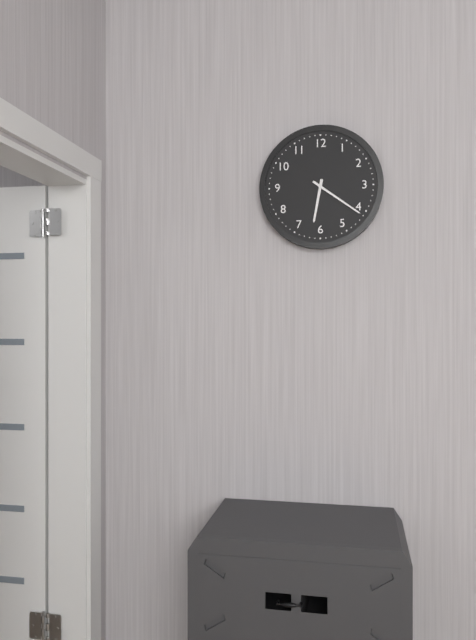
6:21
